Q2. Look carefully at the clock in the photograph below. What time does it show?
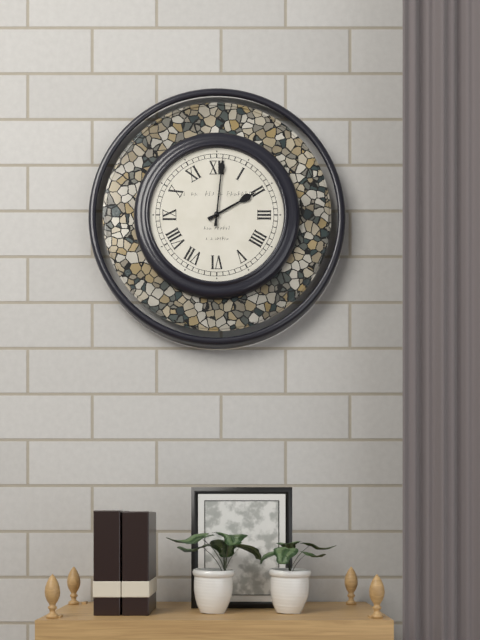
2:01
